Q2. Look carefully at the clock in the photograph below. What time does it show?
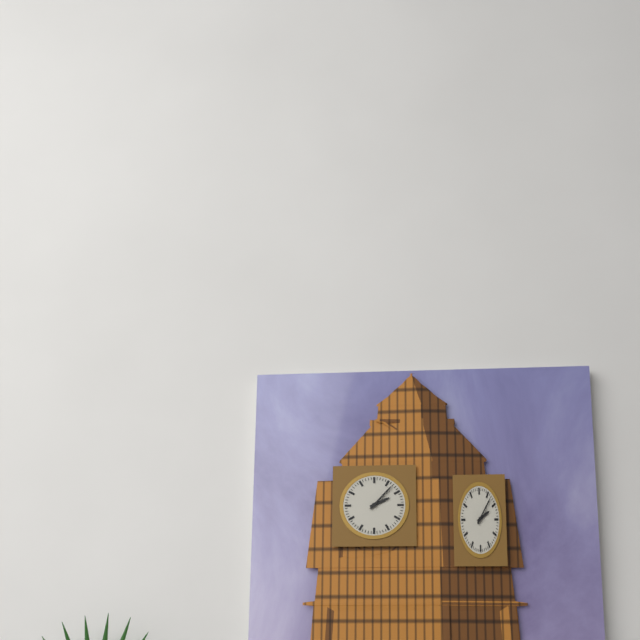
2:07
